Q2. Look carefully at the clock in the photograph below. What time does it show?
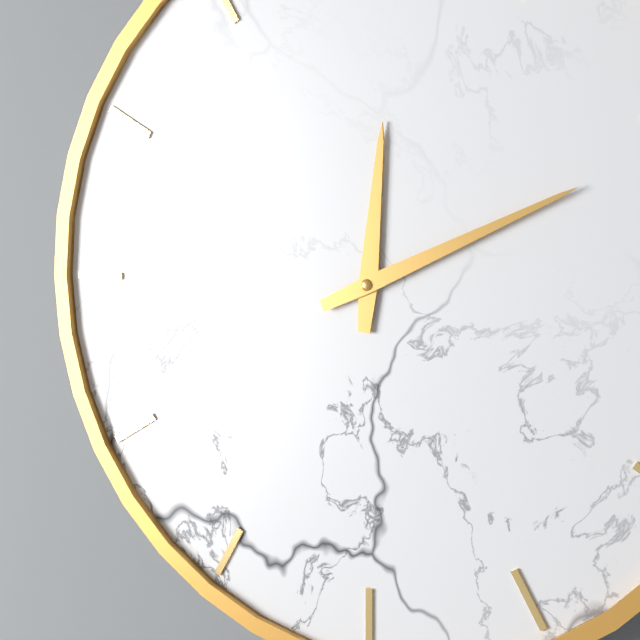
12:11
